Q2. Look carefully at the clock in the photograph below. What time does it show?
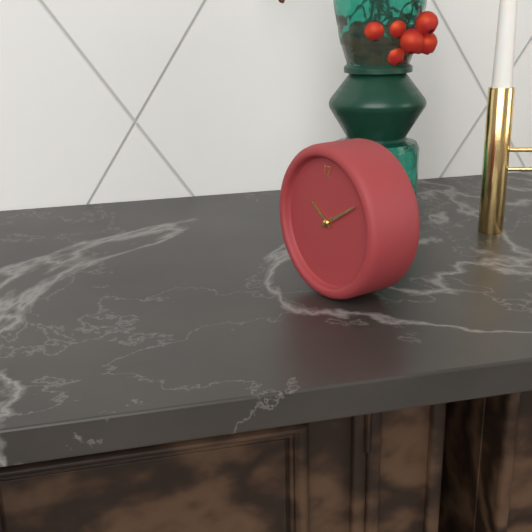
10:10
